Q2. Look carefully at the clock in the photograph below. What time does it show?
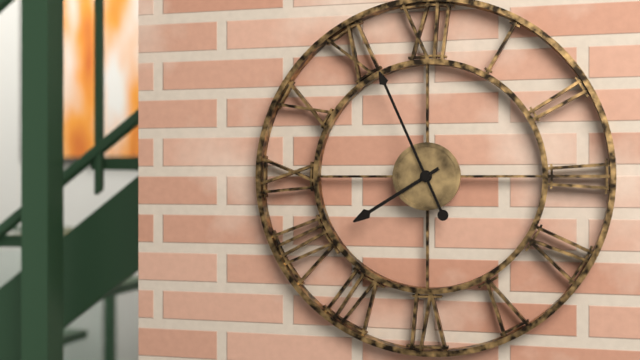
7:56
